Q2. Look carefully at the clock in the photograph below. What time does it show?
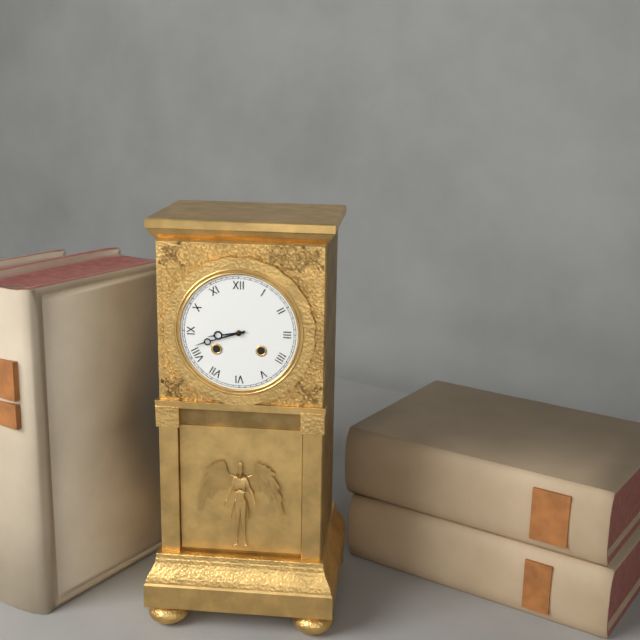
8:42
